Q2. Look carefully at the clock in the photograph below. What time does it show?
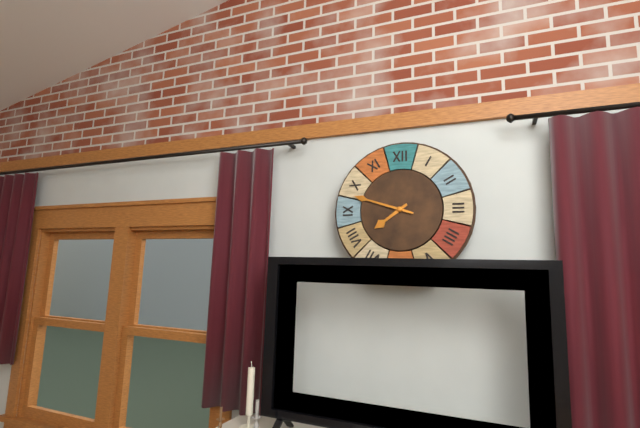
7:48
